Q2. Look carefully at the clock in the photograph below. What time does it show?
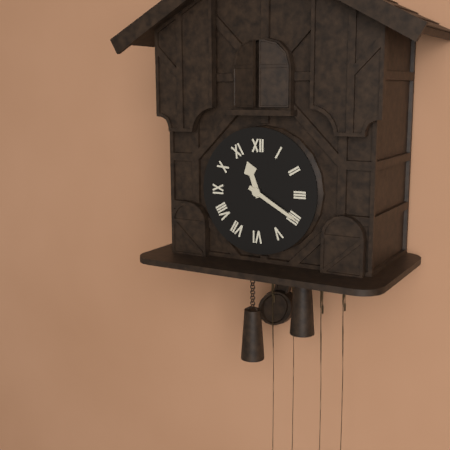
11:20
